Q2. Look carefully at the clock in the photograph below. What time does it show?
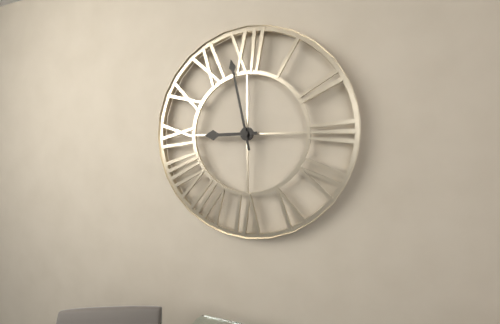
8:58
